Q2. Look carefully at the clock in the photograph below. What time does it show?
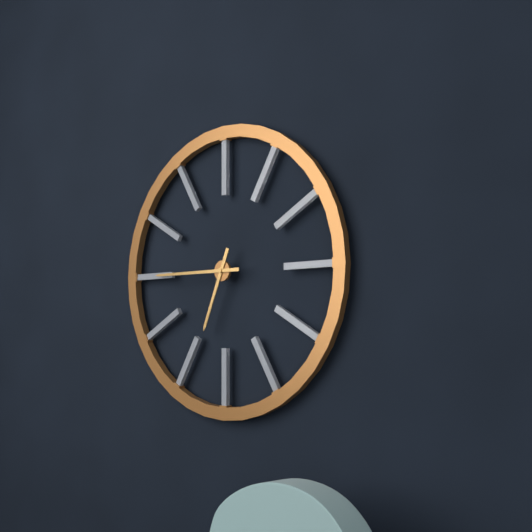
6:45
